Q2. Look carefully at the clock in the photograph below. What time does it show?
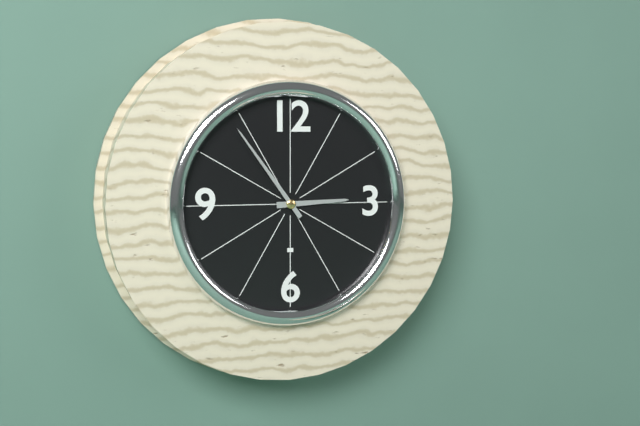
2:54
